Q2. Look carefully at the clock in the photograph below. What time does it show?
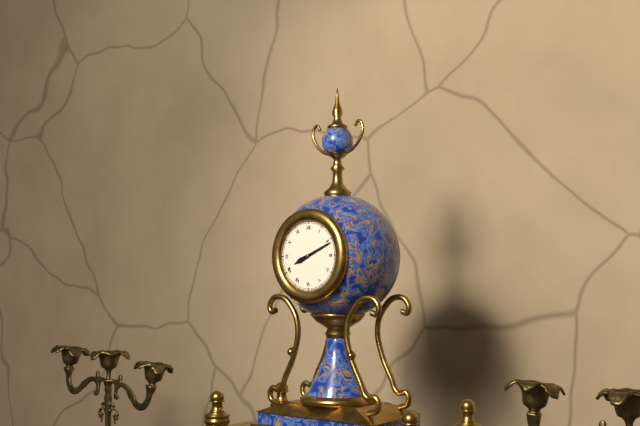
8:11
